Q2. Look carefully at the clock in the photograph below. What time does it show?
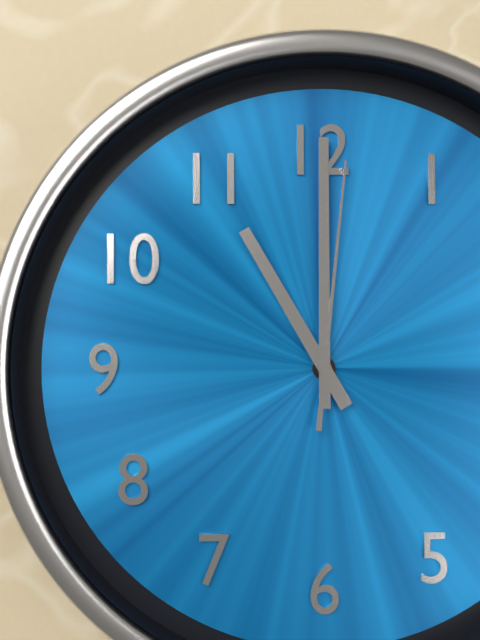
11:00:01
